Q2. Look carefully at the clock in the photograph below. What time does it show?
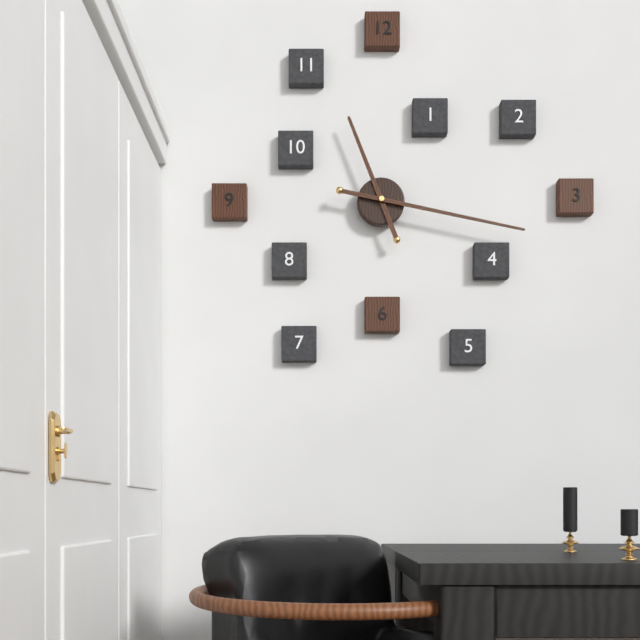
11:17
